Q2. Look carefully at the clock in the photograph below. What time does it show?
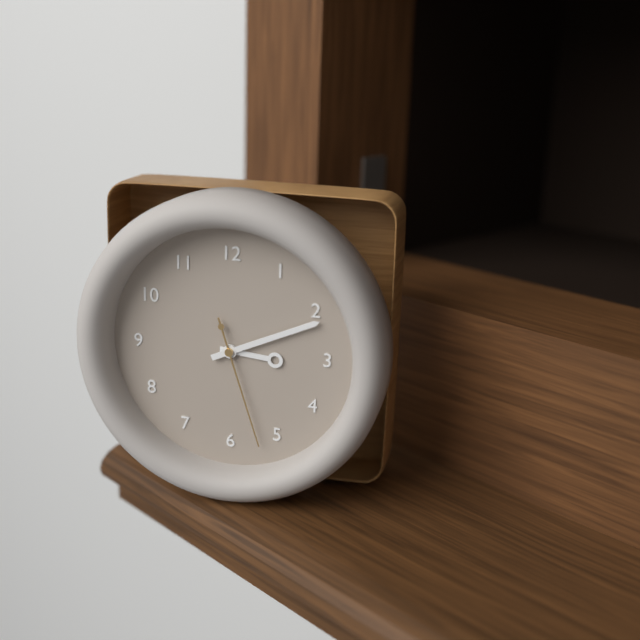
3:11:27
